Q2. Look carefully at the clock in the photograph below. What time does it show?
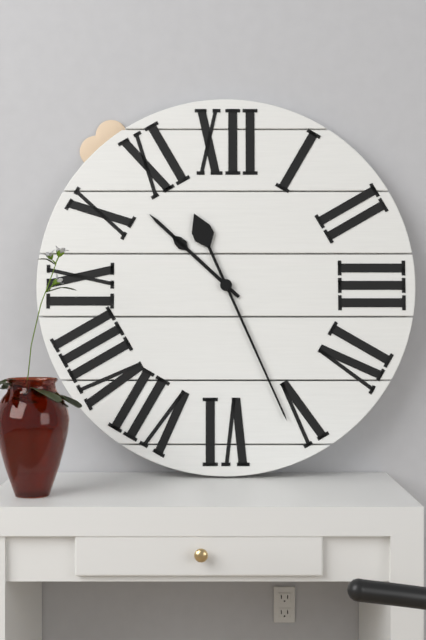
10:26
